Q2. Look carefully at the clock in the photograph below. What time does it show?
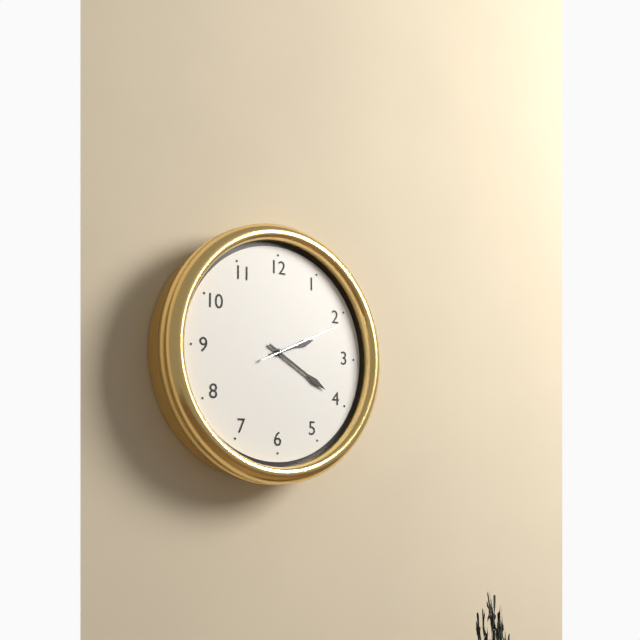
2:20:11
